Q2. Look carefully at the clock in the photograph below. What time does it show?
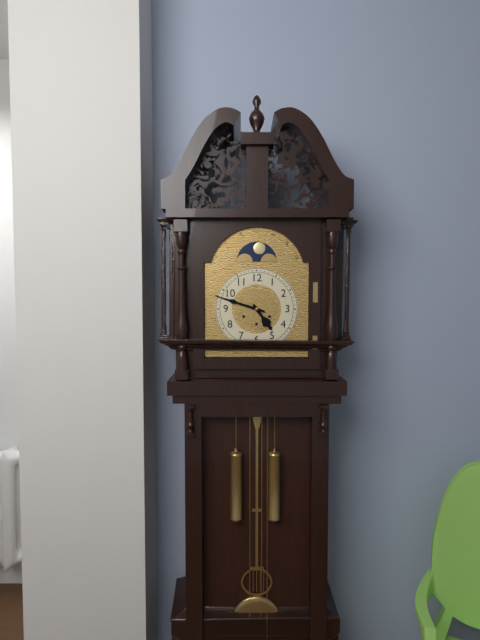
4:48
